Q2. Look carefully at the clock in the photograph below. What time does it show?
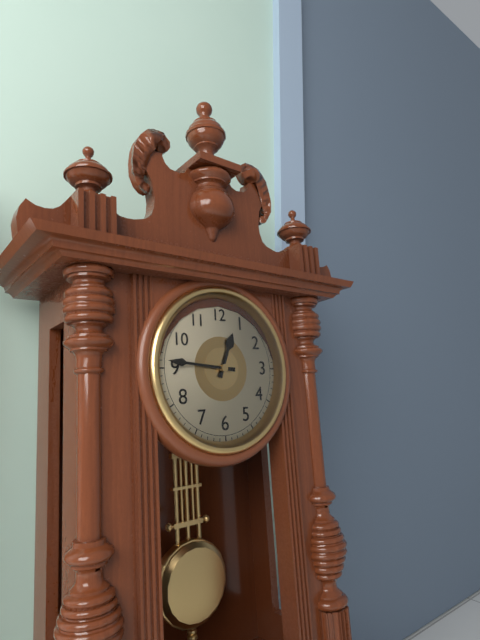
12:46
